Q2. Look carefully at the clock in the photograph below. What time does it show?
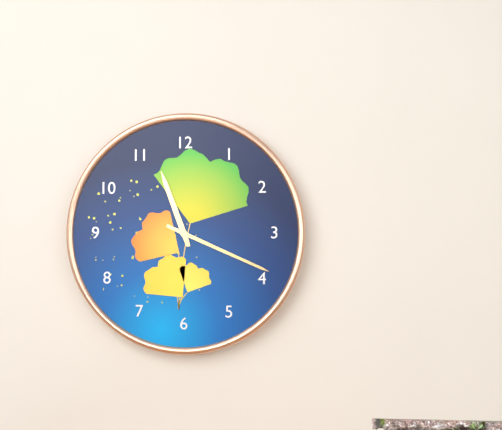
11:19
